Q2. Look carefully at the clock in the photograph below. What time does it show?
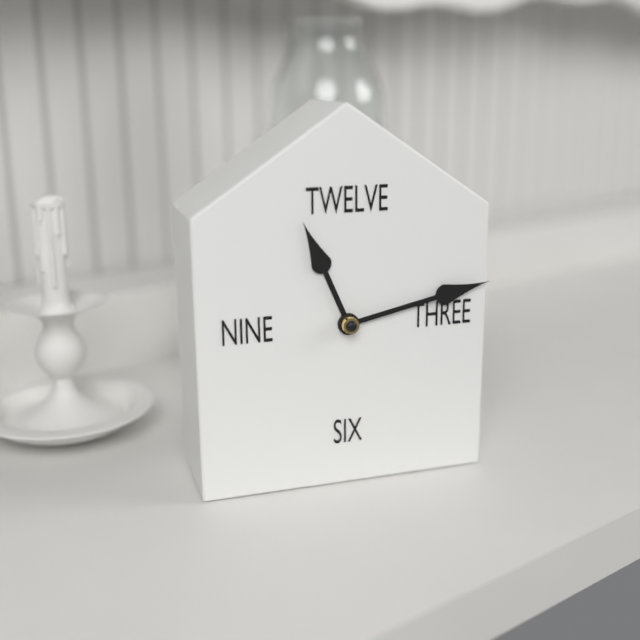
11:13
